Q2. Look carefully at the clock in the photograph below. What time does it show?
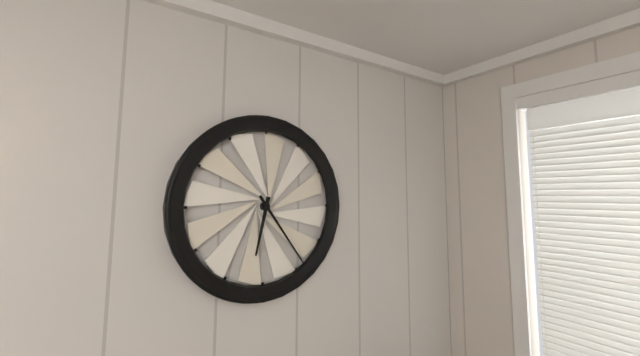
6:24
